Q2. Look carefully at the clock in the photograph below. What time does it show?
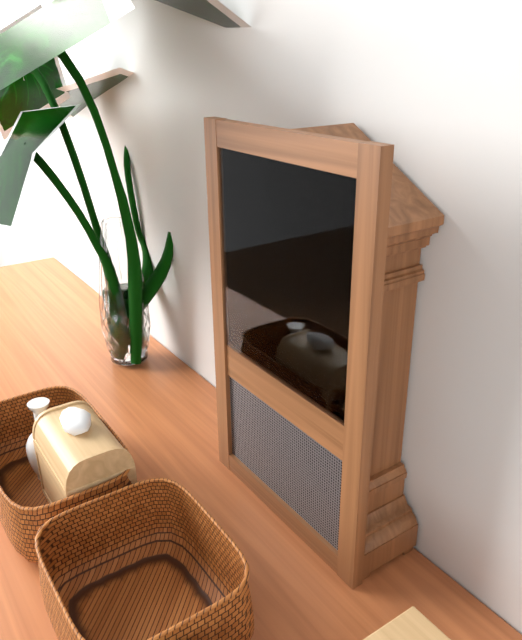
4:38
